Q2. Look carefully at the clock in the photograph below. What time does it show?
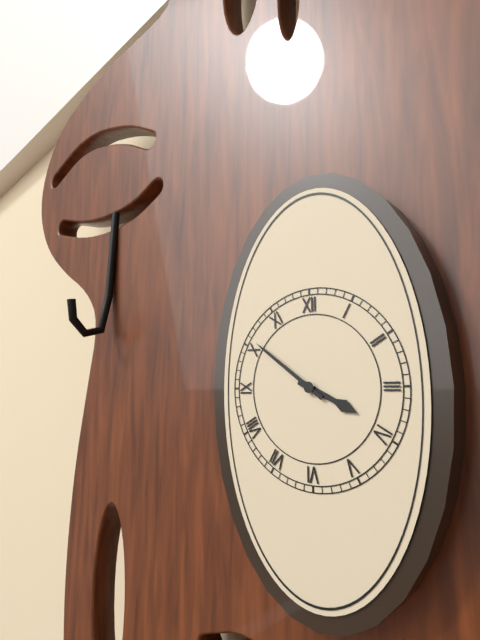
3:51
